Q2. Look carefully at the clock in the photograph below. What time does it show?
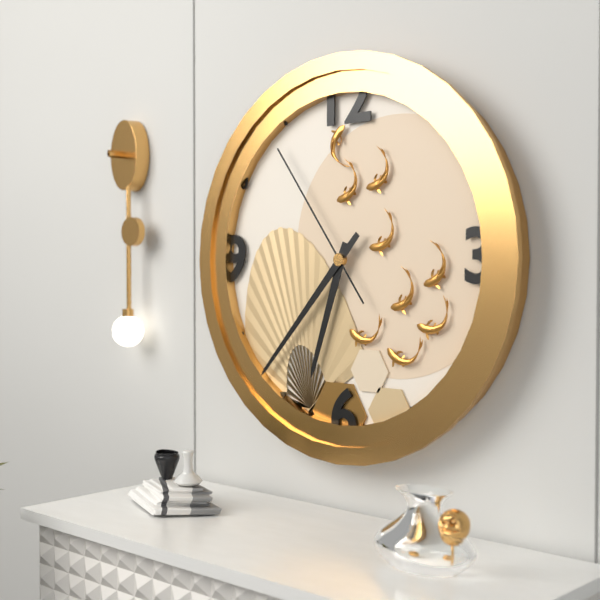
6:37:54
